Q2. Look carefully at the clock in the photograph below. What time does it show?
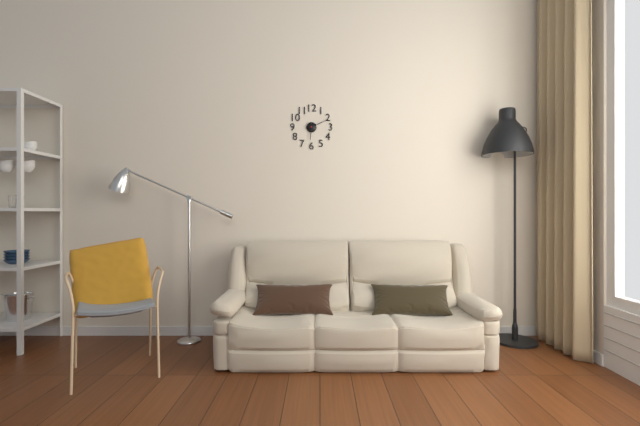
6:11
